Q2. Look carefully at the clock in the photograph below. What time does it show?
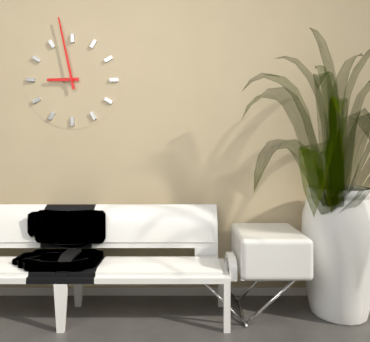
8:58
